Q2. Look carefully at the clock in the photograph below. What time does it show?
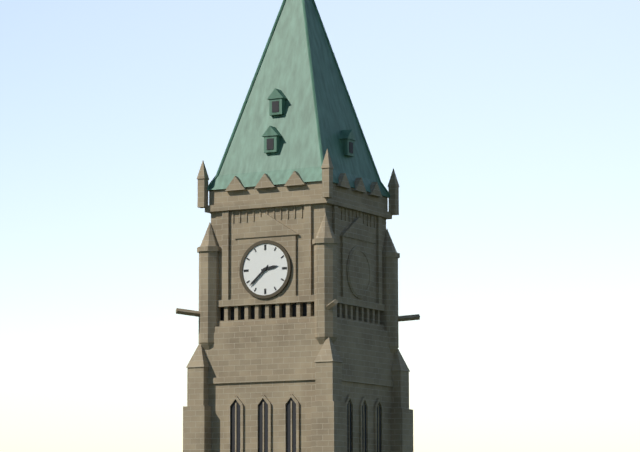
2:38
